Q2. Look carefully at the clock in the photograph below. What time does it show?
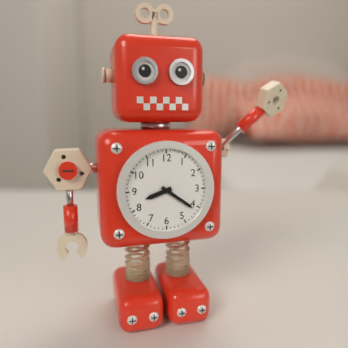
8:21
